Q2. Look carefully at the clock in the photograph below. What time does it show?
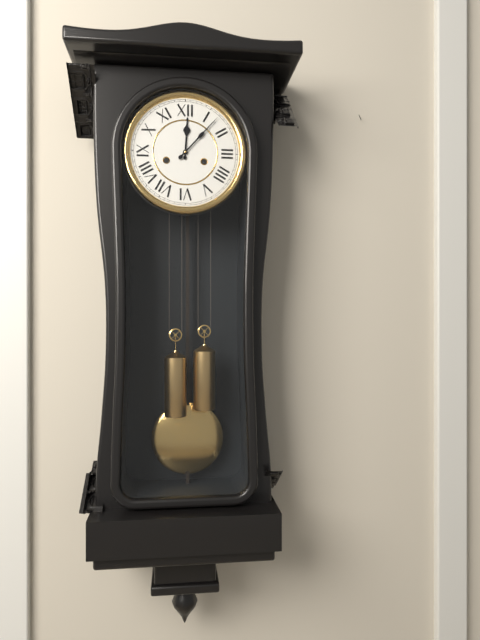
12:07
